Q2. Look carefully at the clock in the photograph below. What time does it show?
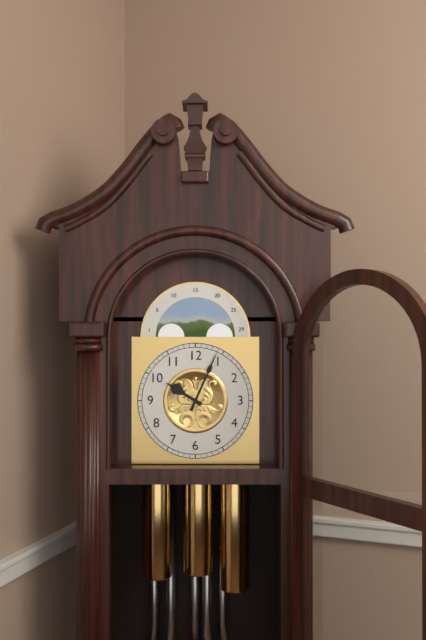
10:04
